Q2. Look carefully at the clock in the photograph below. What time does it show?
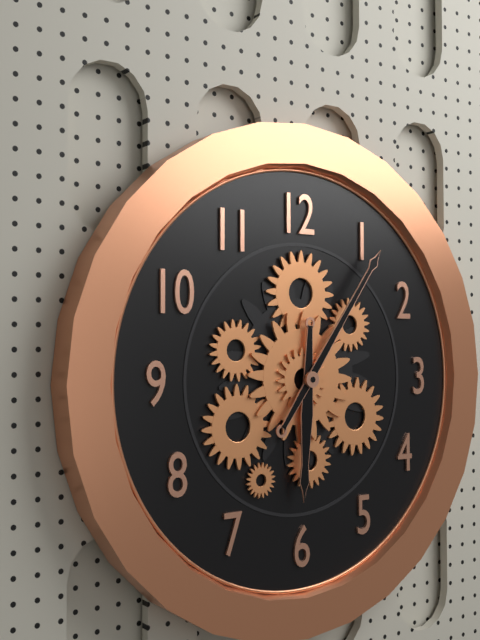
6:06
